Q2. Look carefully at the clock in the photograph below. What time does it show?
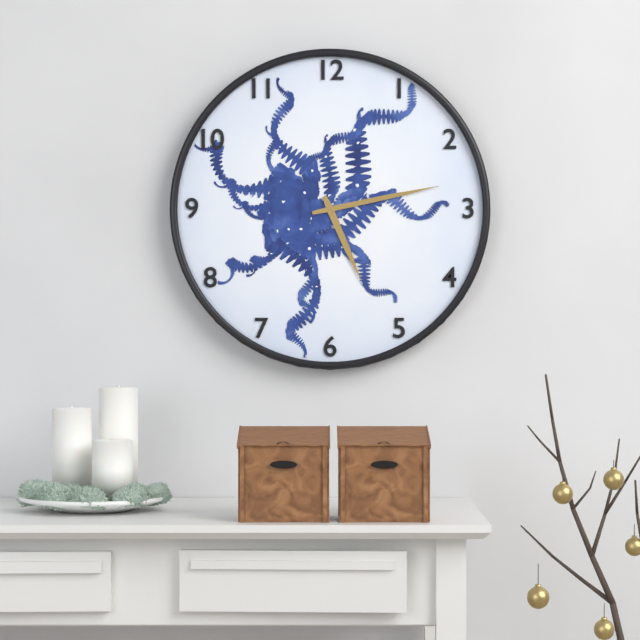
5:13
